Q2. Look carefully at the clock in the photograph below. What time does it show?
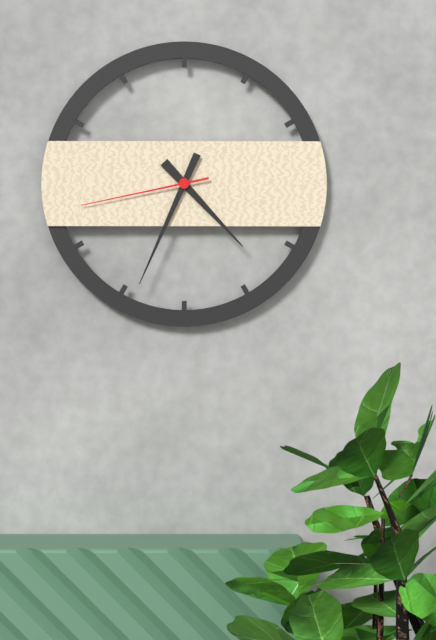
4:34:43
